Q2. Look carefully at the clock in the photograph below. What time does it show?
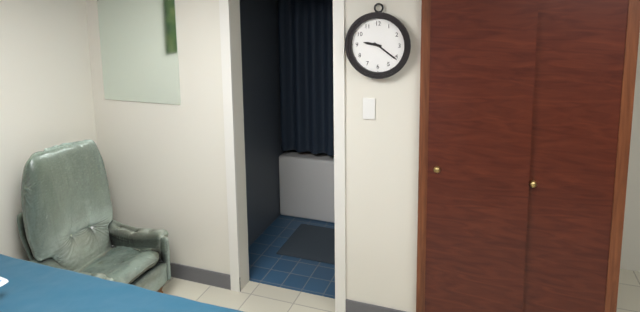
9:21
